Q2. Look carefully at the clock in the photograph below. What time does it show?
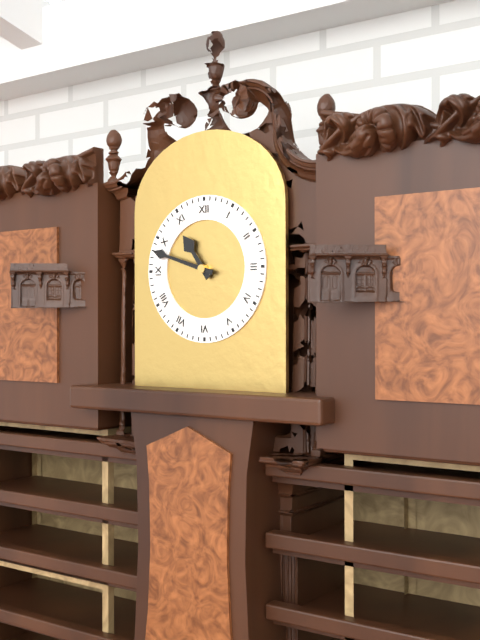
10:48
